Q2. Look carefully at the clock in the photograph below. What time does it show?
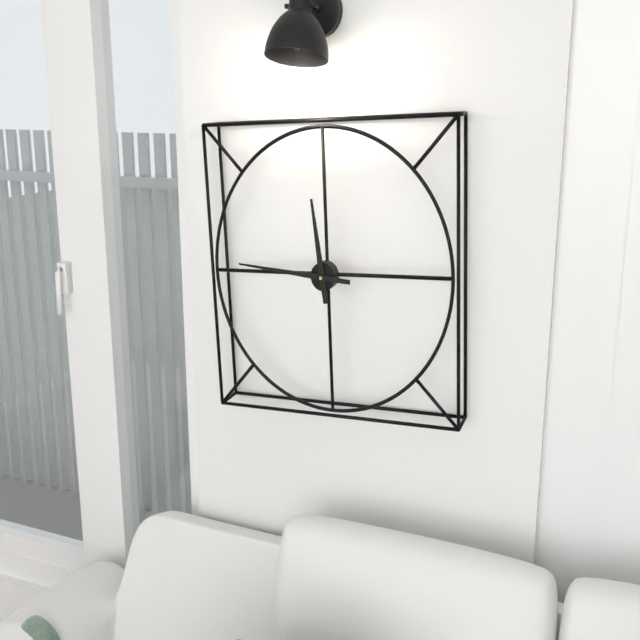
11:46
